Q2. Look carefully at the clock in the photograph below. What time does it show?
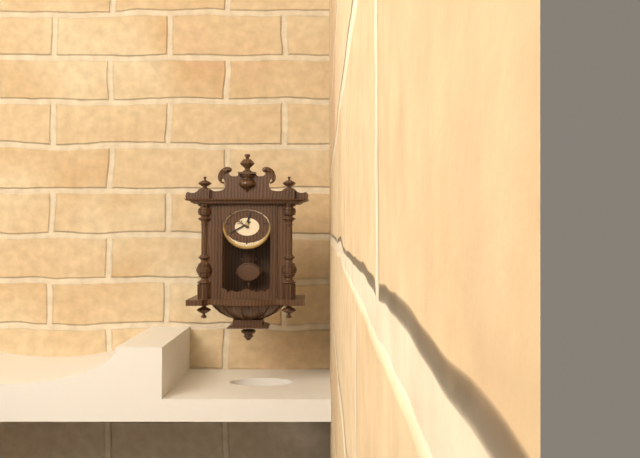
12:40
